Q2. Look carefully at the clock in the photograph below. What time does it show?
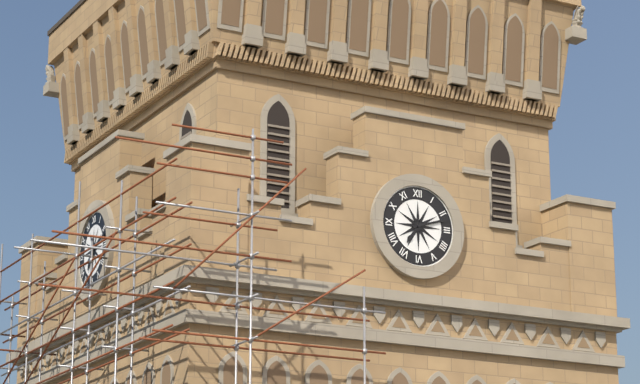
7:12
